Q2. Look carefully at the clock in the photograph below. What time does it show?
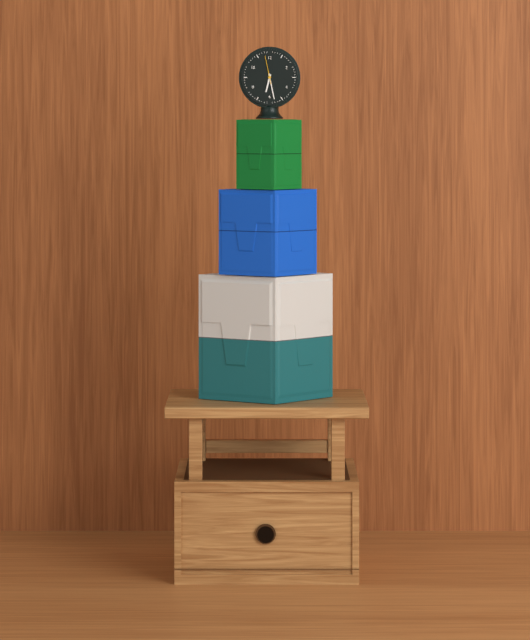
6:28
